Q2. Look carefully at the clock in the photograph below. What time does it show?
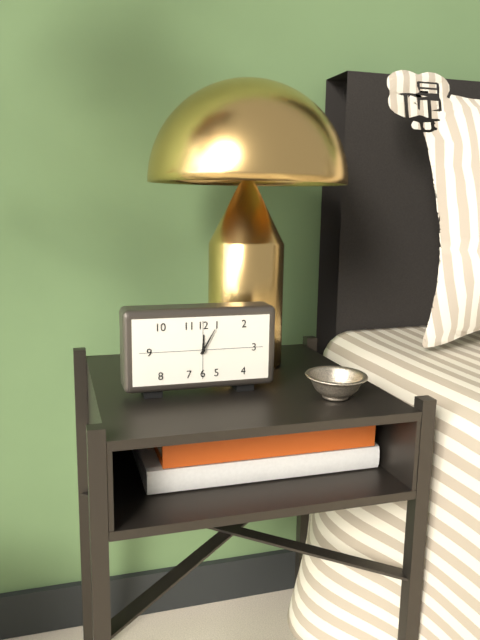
12:05
